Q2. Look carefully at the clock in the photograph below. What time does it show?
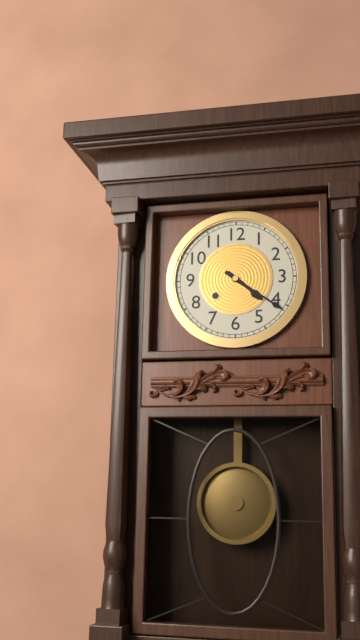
4:21
